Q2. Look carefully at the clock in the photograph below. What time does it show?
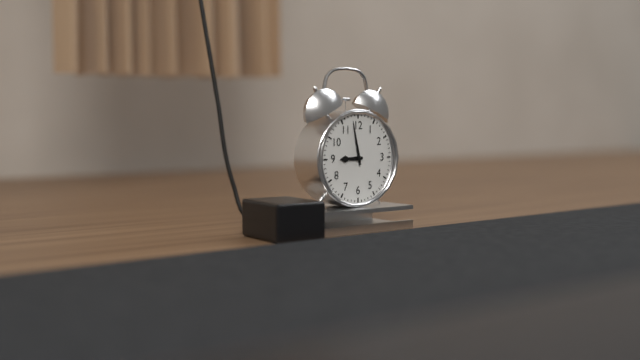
8:58
